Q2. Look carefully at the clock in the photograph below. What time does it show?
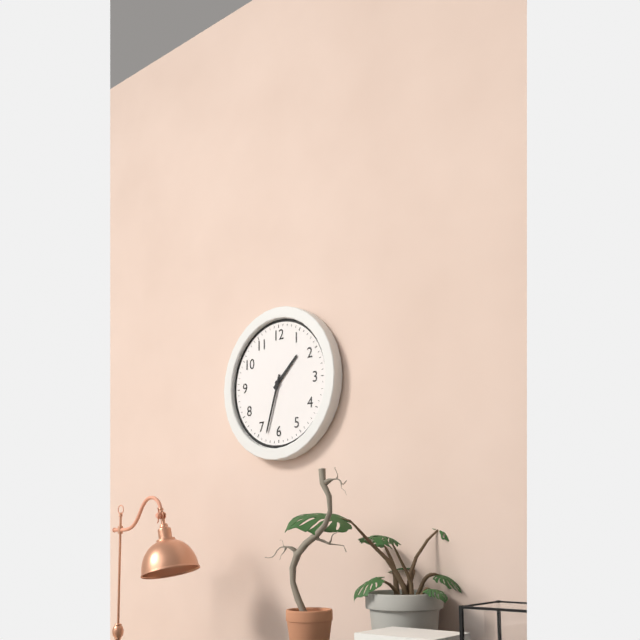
1:33
